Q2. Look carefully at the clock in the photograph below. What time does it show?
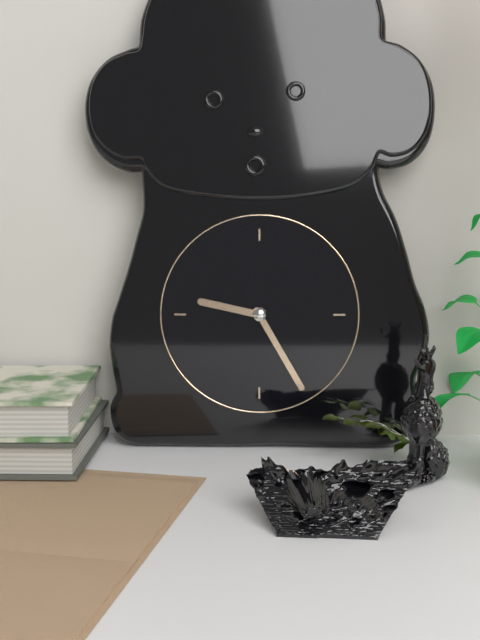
9:25
